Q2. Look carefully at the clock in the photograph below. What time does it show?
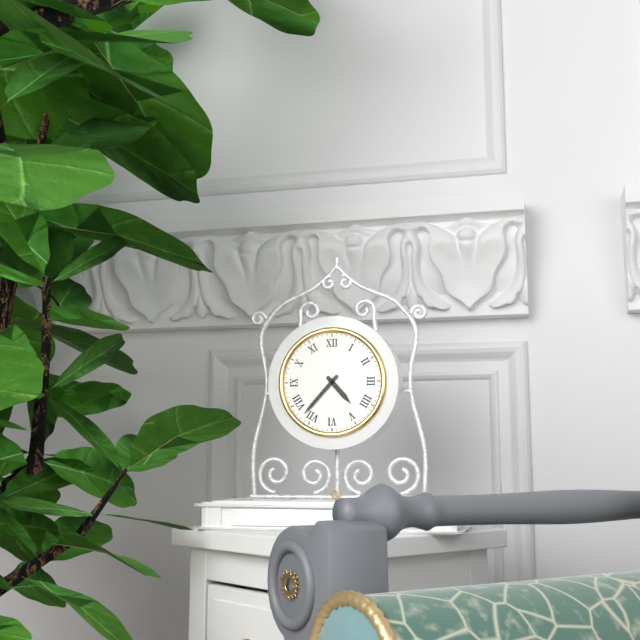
4:37
